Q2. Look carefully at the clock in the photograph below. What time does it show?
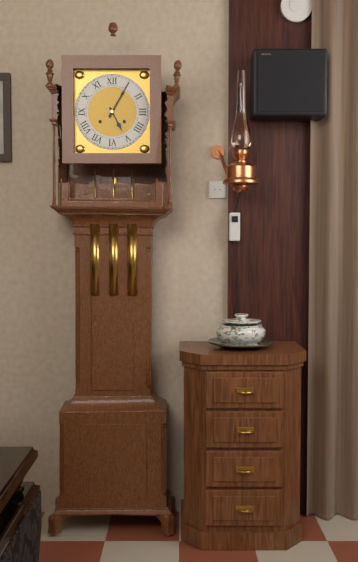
5:05
